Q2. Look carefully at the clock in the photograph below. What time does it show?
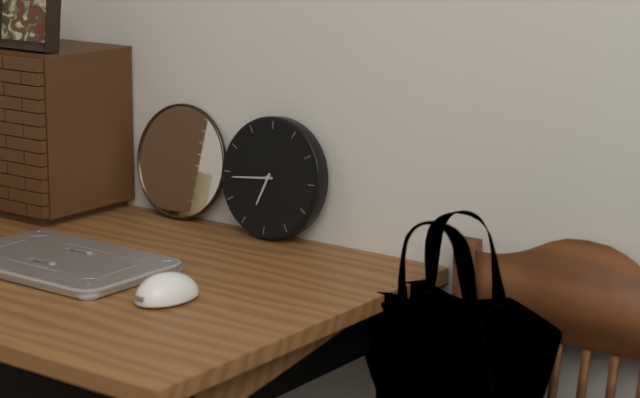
6:44
